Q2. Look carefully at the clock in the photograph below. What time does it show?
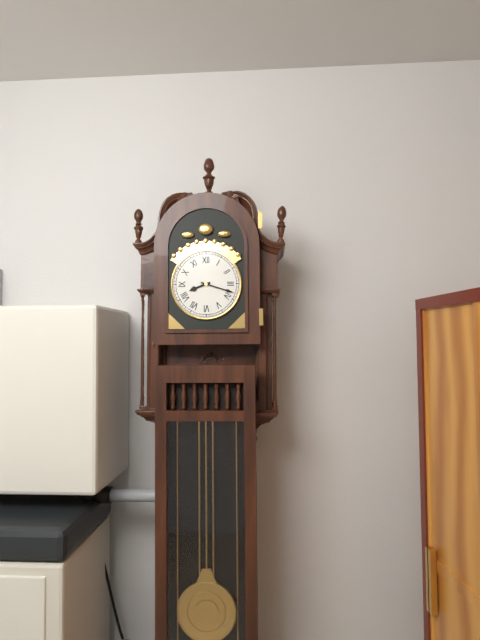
8:18
